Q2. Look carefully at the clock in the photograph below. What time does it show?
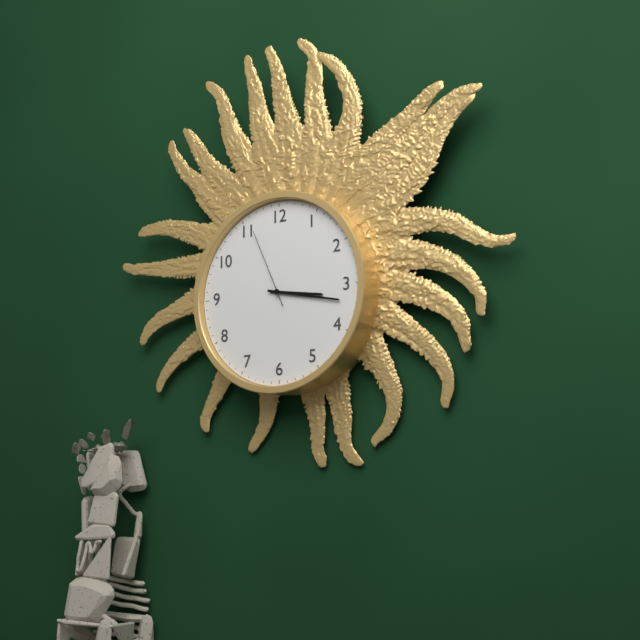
3:17:56
